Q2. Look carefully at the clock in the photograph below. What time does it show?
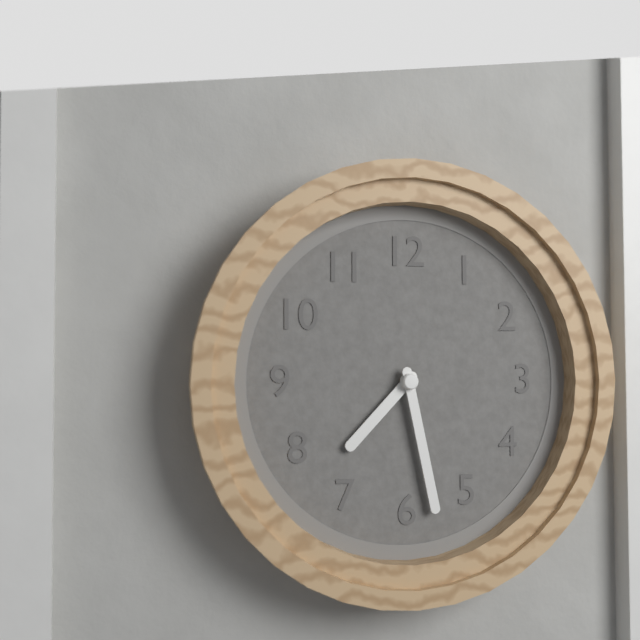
7:28
